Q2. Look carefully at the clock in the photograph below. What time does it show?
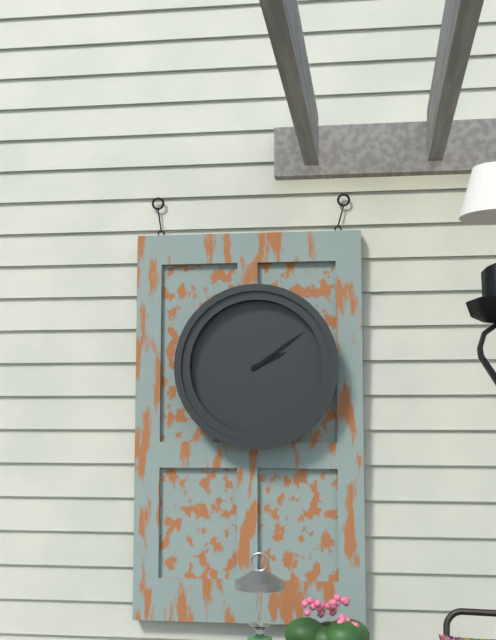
2:09
